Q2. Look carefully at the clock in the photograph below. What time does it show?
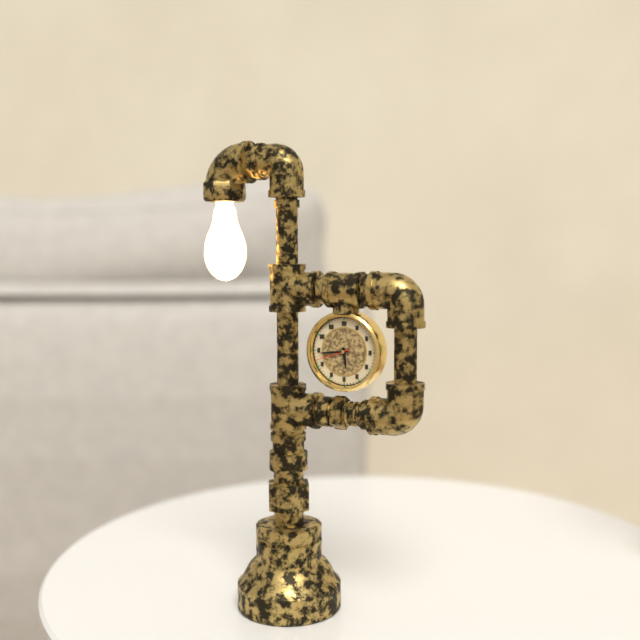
5:44
